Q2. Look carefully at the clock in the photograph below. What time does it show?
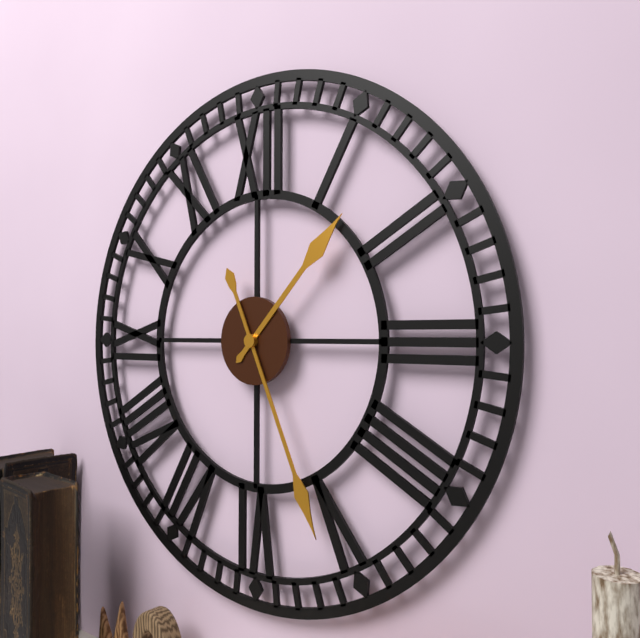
1:26
